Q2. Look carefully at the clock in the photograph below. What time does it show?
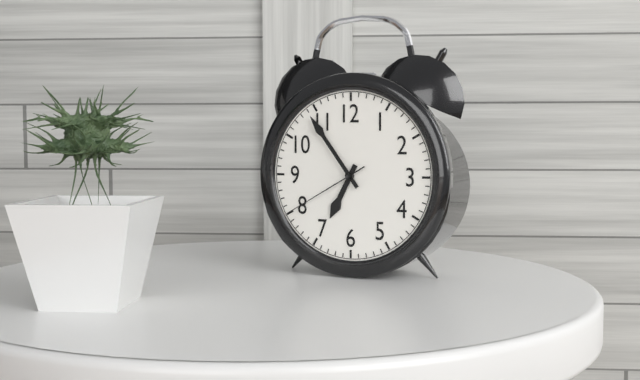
6:54:40
